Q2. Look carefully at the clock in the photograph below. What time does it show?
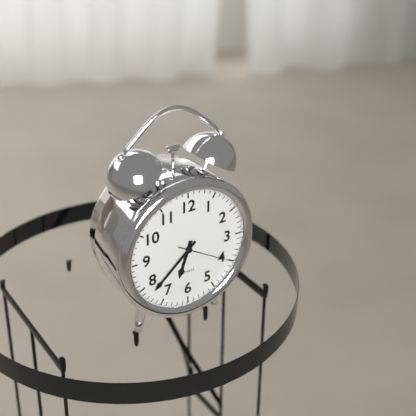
6:38:20
